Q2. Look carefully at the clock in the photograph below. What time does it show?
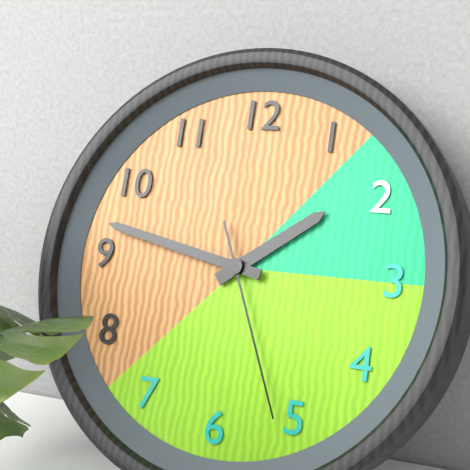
1:47:26
